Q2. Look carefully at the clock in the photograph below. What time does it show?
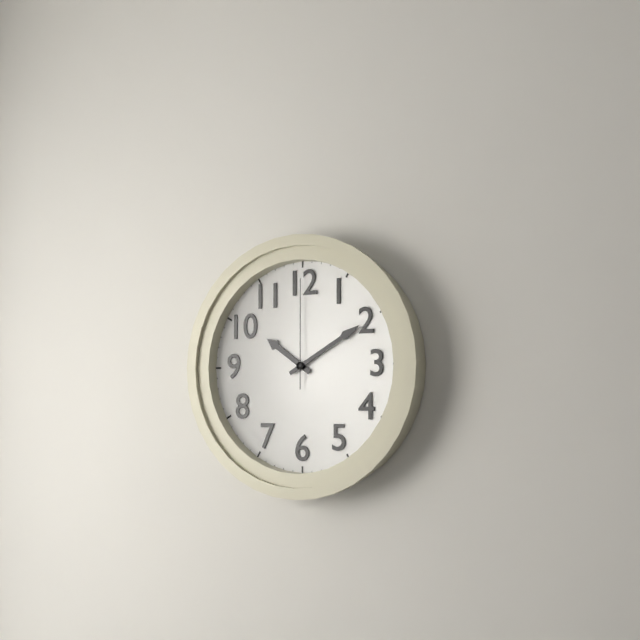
10:10:00
